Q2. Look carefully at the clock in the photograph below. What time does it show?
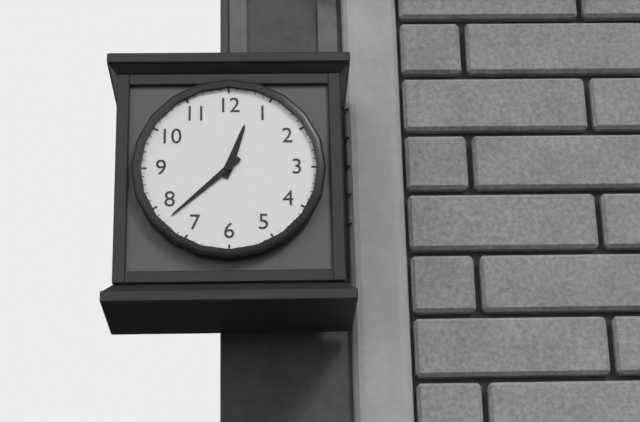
12:38
